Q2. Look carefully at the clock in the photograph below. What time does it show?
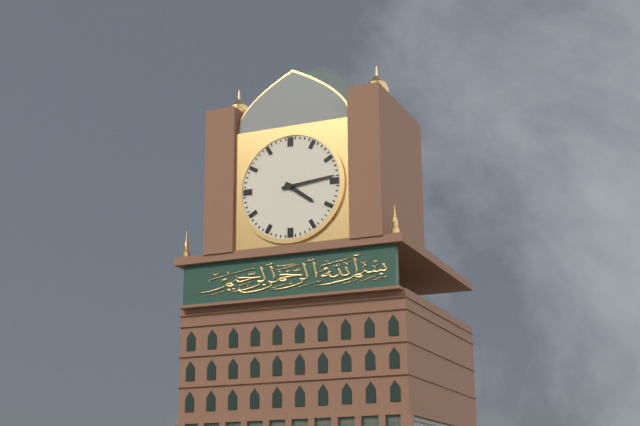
4:14
